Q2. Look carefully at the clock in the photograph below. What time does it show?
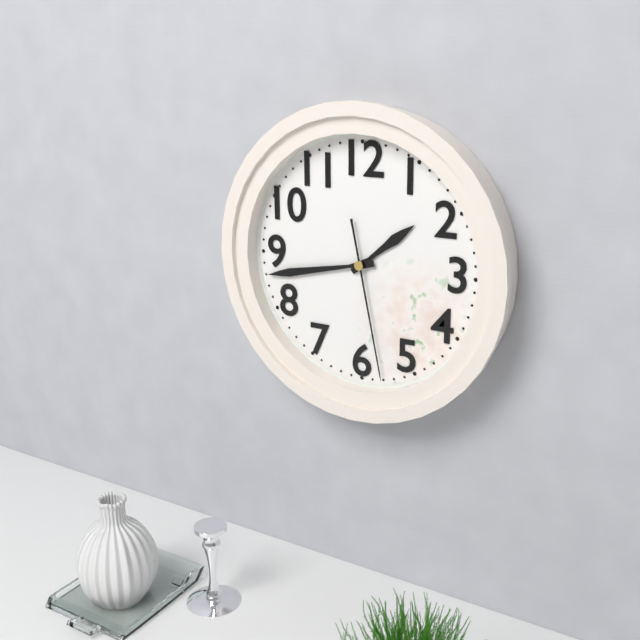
1:43:28
